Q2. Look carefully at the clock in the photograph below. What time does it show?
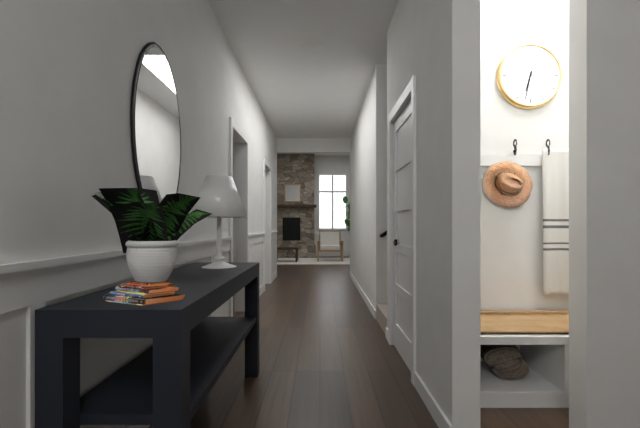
6:32
